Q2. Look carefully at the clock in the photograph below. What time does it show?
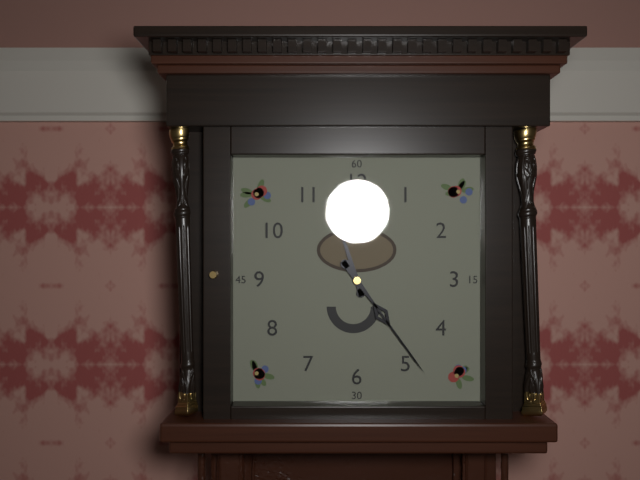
11:24
